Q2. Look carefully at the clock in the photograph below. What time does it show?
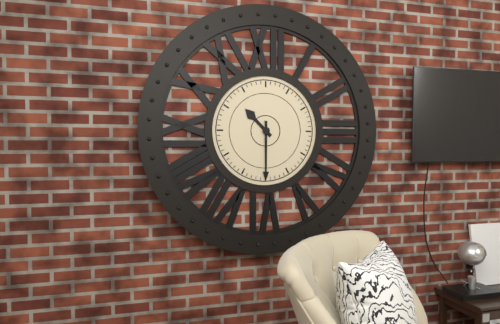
10:30
